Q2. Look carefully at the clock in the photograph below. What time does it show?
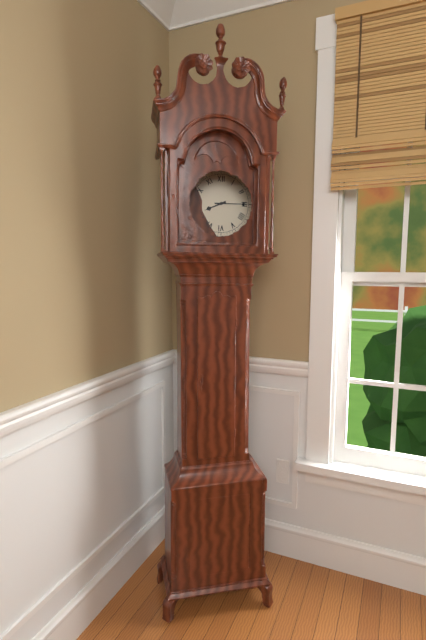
8:15
